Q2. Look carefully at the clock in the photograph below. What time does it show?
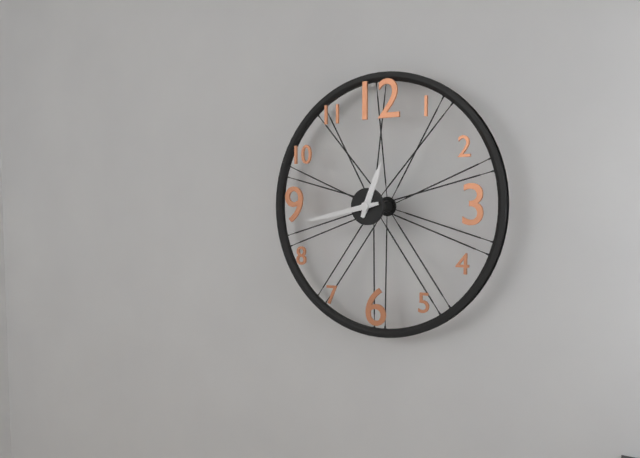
12:43
